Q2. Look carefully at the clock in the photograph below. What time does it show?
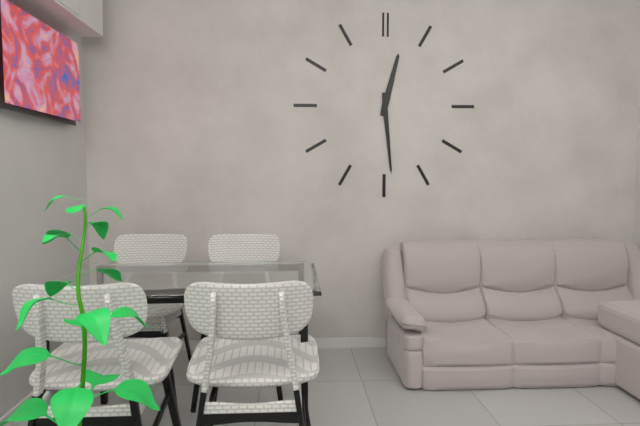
12:29
